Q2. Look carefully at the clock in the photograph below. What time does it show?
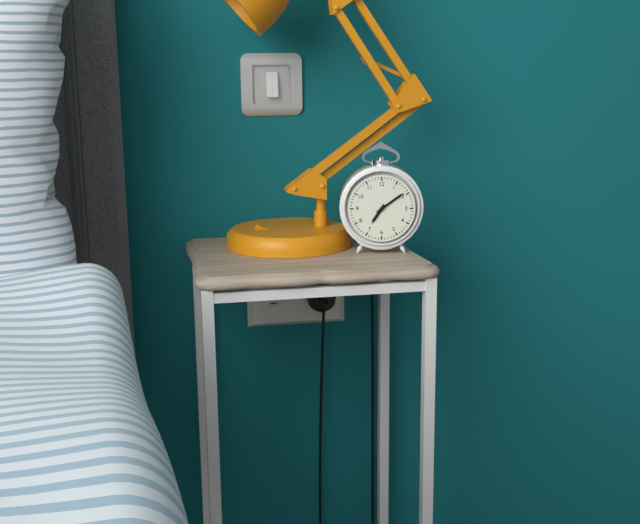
7:09
